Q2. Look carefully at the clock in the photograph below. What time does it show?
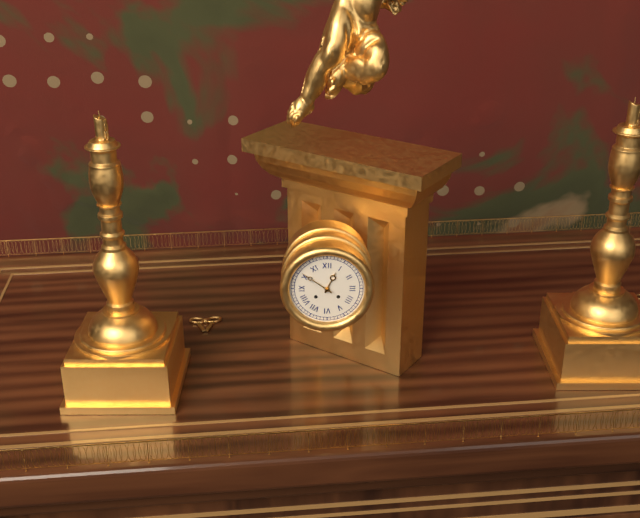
12:51
